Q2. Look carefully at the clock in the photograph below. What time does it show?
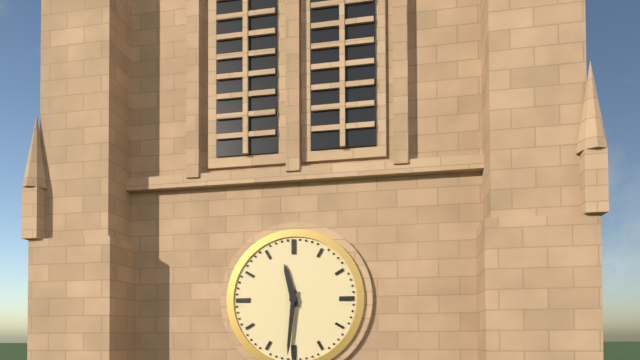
11:31
